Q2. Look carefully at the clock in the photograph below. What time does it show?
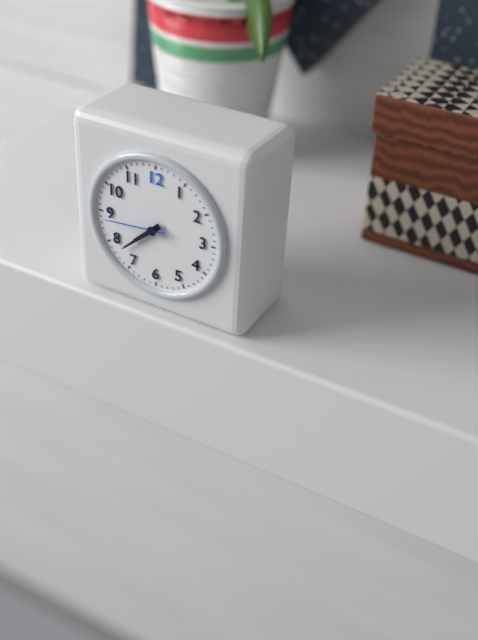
7:38:44
